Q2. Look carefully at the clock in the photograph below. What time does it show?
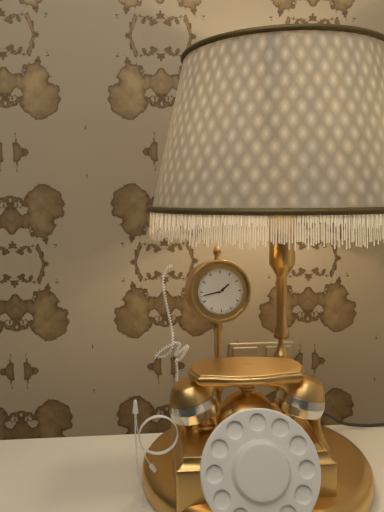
1:43
